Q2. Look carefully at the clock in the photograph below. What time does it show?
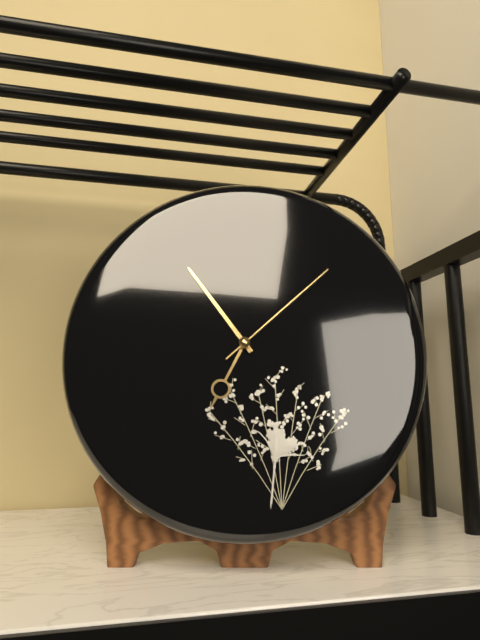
6:54:08
